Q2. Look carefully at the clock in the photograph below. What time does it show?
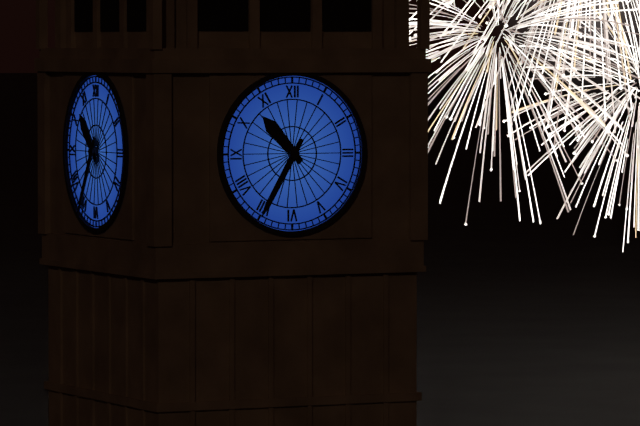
10:35
